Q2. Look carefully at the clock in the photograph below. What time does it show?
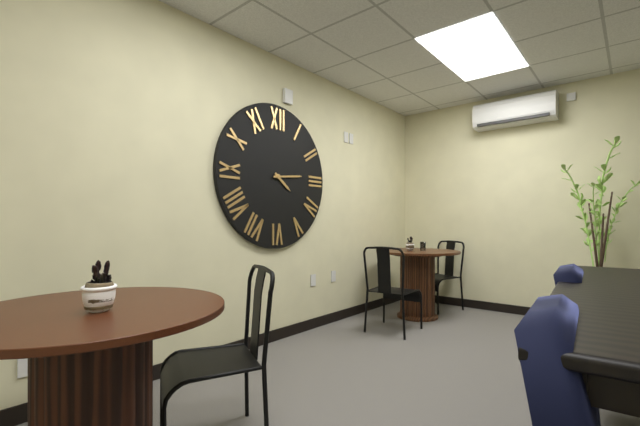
4:14
